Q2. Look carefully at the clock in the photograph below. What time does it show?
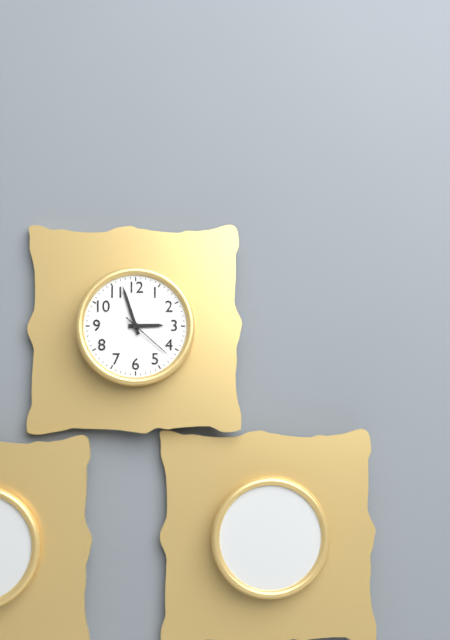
2:57:22
